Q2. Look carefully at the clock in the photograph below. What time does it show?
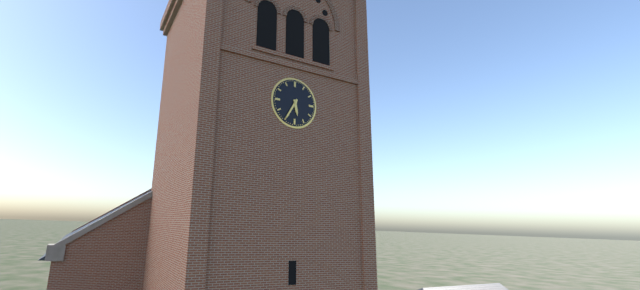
5:35
